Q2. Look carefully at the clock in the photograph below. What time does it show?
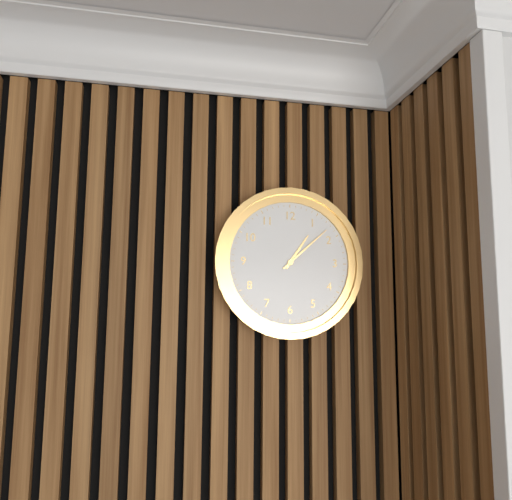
1:08
